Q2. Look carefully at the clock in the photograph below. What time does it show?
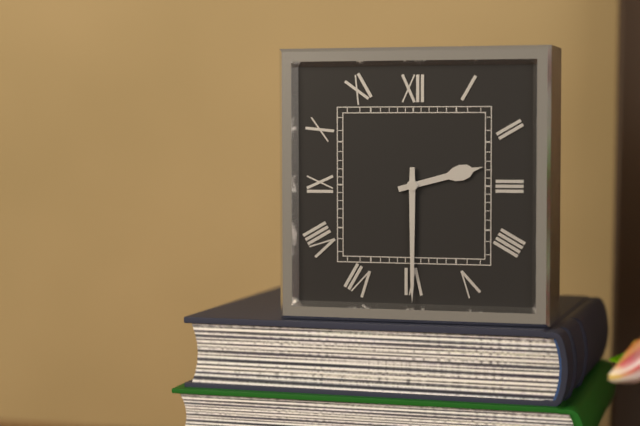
2:30
